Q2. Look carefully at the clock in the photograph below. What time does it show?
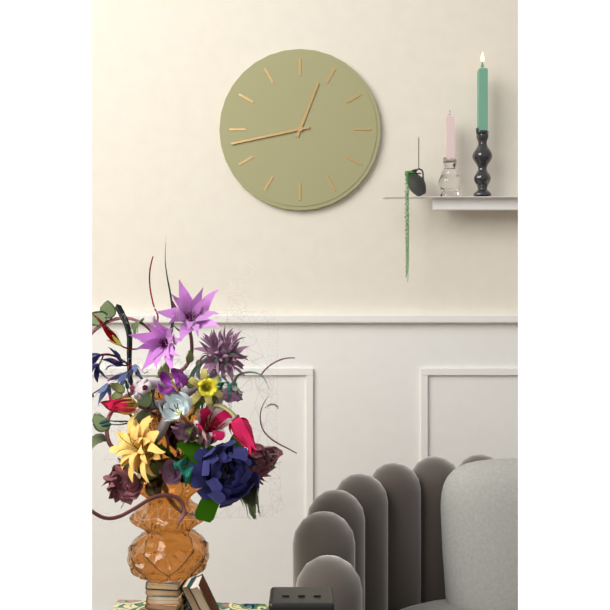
12:43
